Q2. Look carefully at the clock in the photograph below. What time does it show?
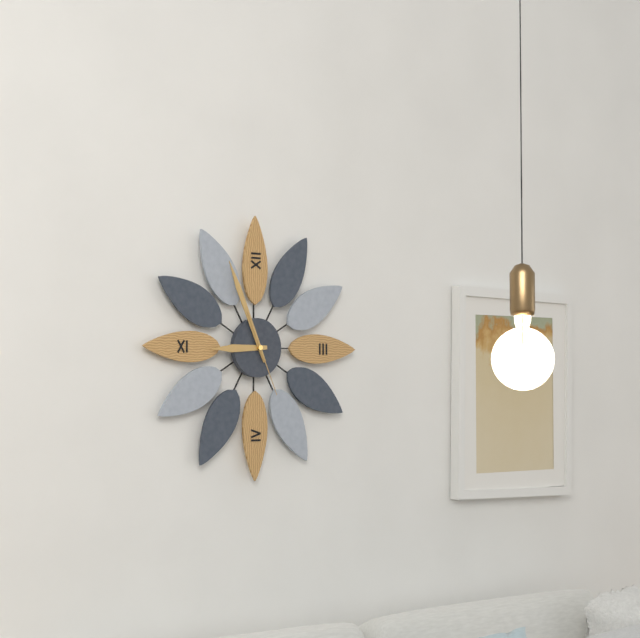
8:56:26
